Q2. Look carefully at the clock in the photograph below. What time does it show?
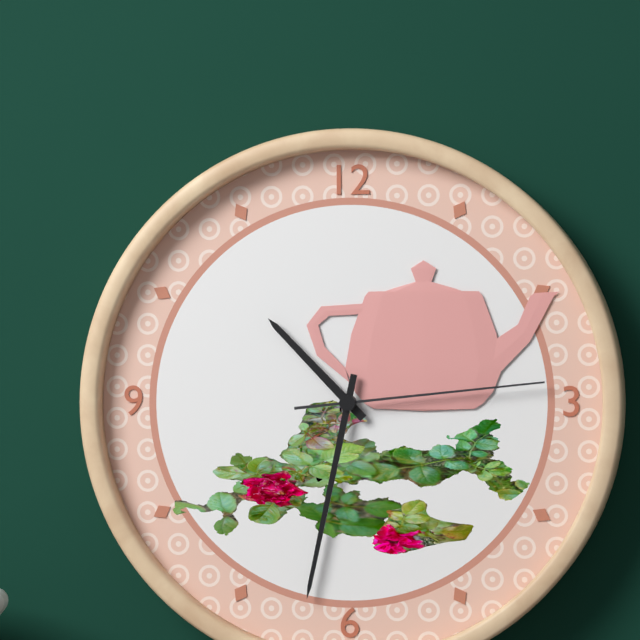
10:32:14
